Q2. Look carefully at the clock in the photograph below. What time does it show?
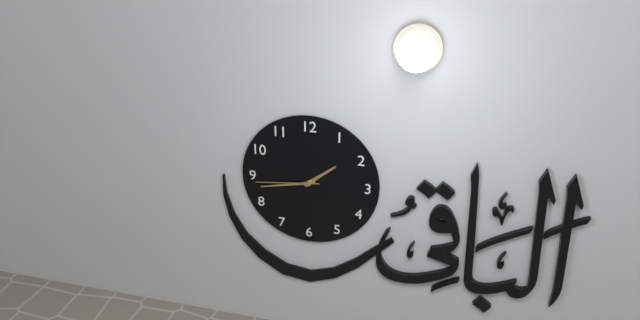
1:43:44
